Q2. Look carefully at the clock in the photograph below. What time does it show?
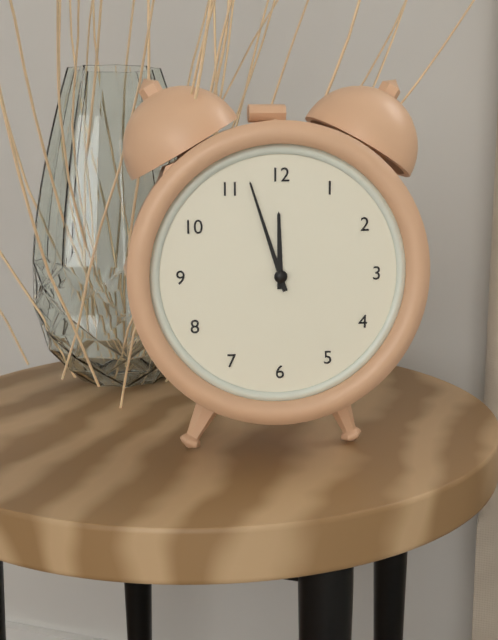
11:57
